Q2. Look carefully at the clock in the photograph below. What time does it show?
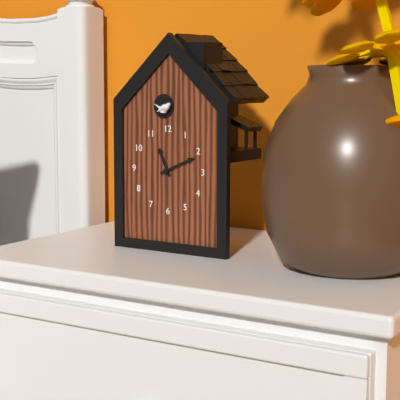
11:11
